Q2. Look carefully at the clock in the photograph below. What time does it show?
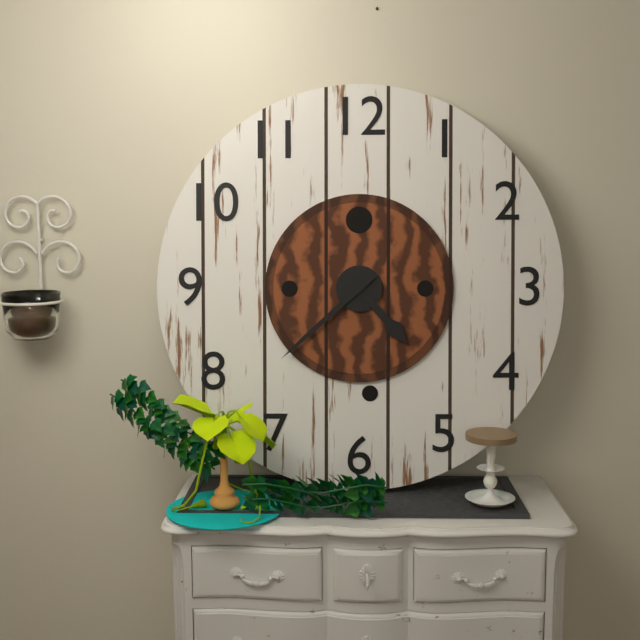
4:38
